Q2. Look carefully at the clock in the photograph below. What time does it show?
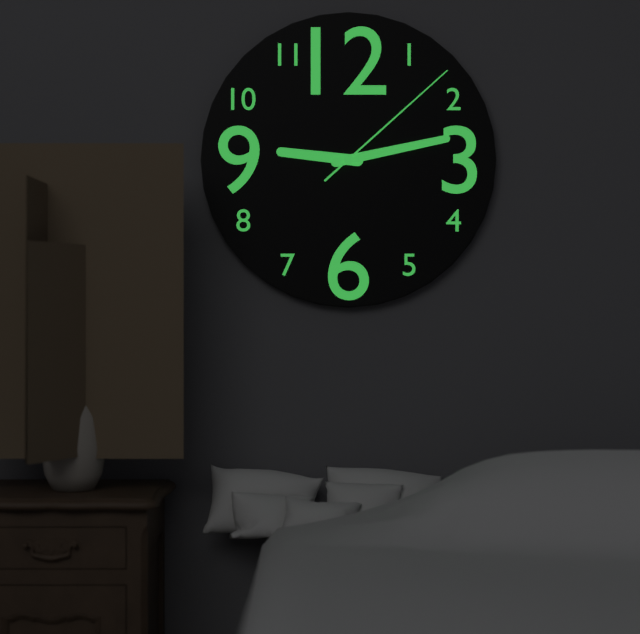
9:13:08
